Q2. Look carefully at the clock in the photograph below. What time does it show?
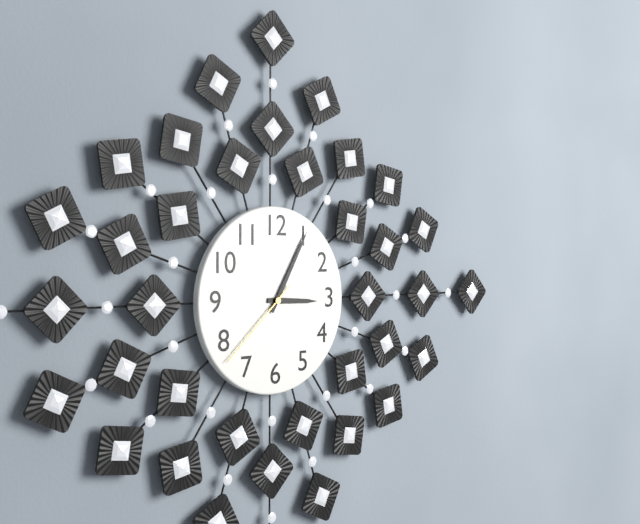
3:05:38
